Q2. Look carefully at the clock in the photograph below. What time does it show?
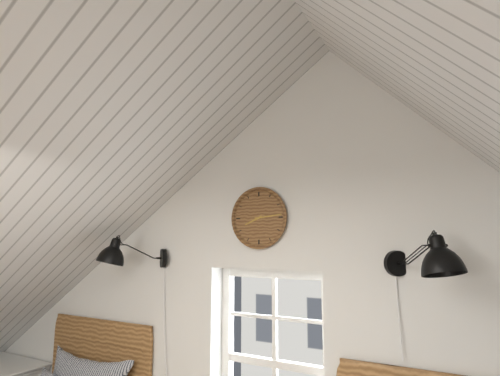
8:14
